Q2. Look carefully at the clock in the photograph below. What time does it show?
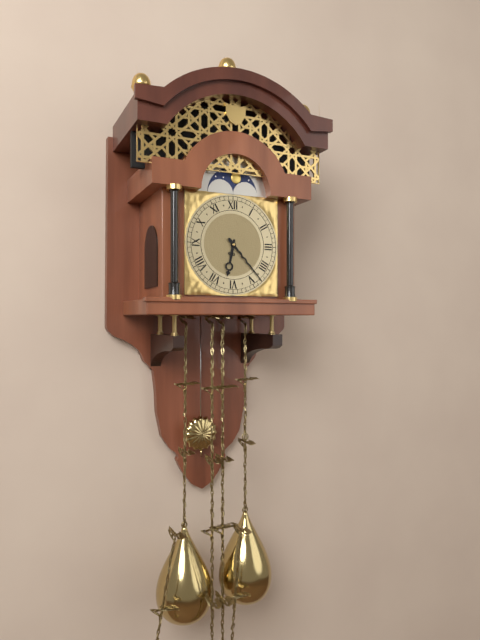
6:23
